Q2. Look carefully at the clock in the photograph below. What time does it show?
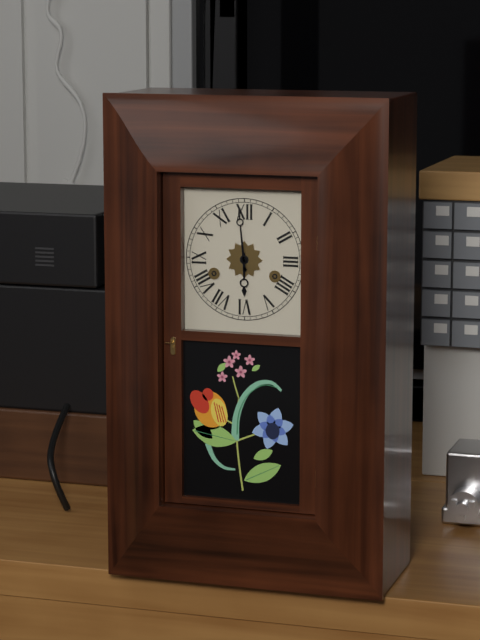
5:59
